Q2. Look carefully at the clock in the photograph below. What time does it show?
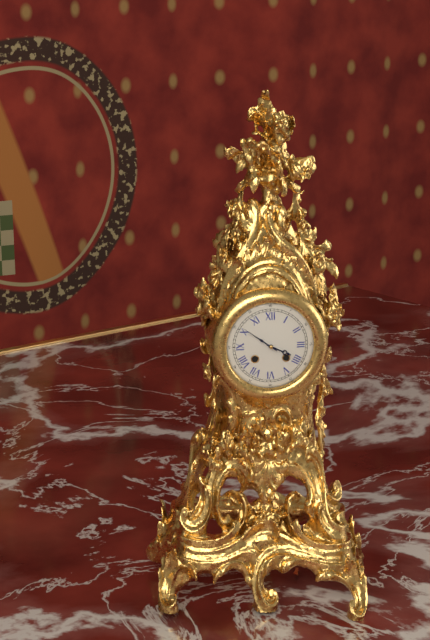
3:51
